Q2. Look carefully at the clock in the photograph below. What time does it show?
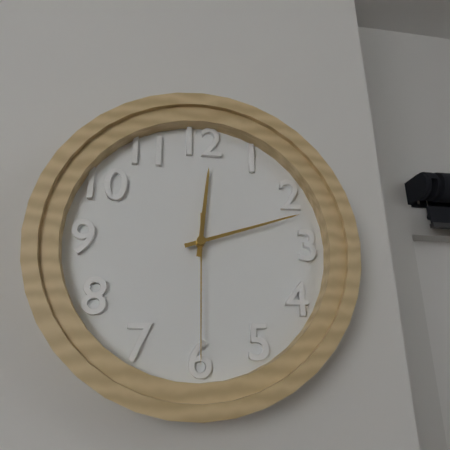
12:12:30
